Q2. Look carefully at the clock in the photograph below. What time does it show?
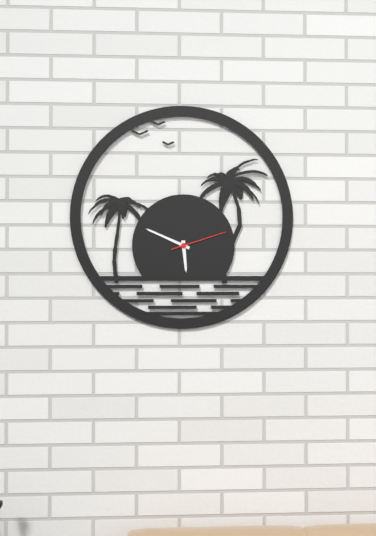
5:49:12
